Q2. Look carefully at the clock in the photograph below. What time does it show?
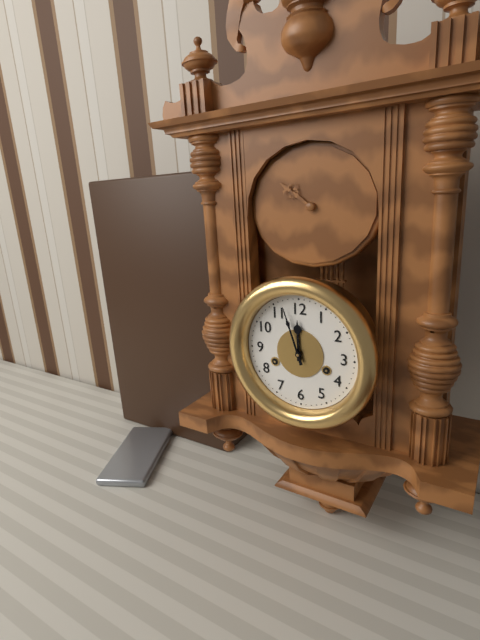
11:57
